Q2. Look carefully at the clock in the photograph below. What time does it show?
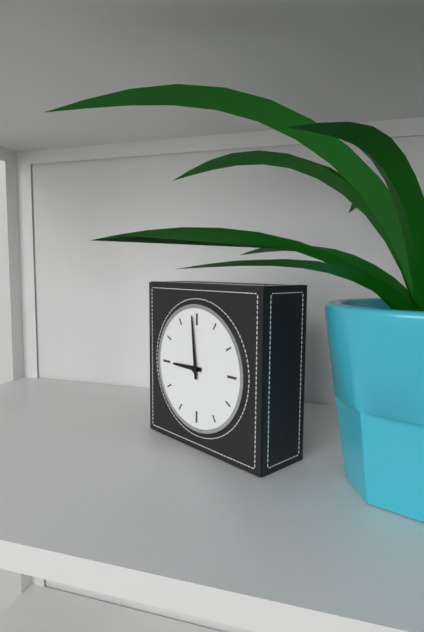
8:59
